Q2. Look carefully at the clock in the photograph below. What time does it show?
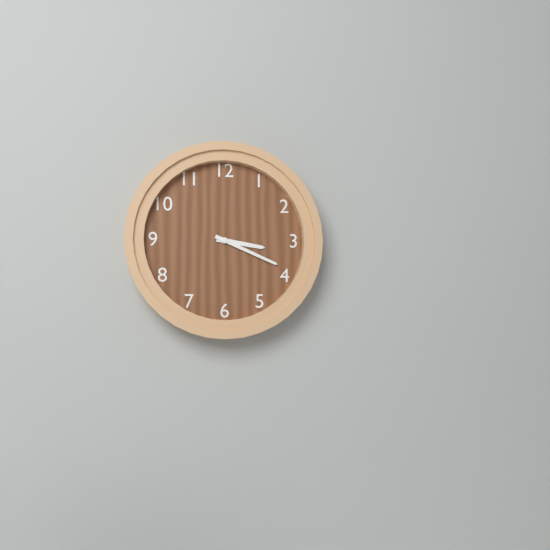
3:19
